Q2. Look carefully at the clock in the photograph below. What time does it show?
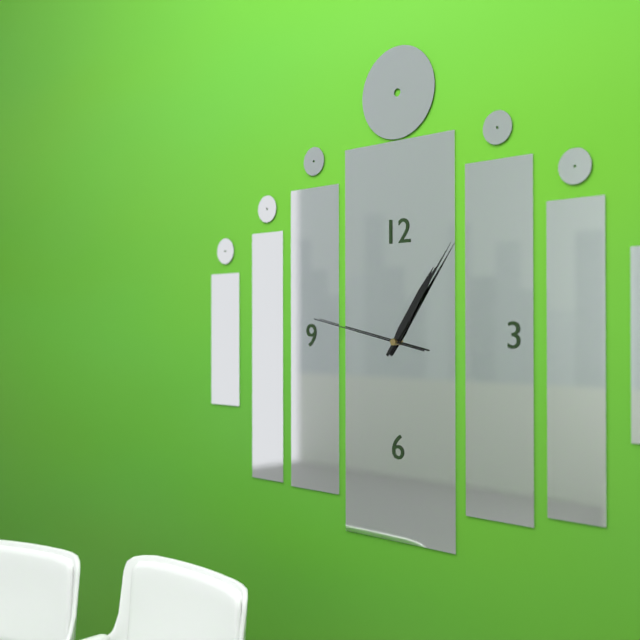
1:06:47
